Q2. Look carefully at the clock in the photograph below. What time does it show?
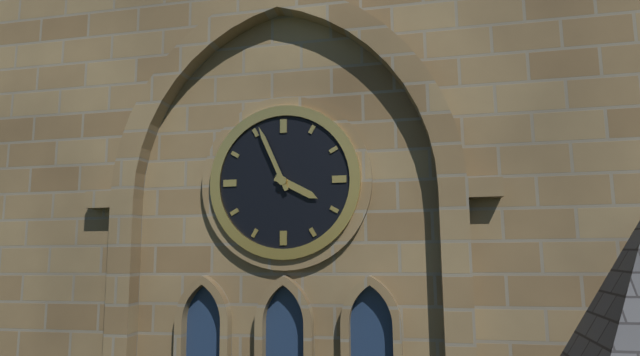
3:56
